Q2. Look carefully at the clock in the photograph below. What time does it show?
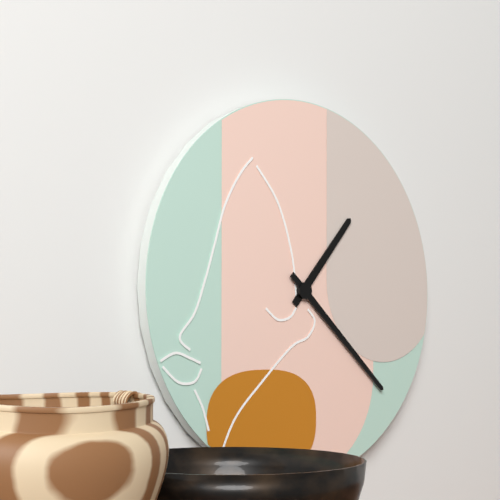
1:22
